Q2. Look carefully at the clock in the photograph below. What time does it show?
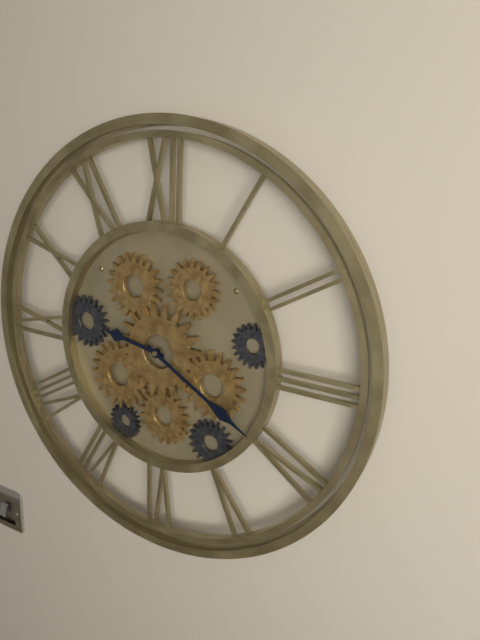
9:20
